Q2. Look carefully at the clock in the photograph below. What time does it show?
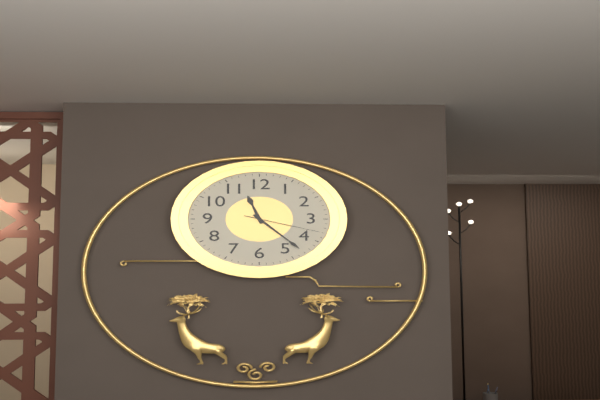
11:23:18
